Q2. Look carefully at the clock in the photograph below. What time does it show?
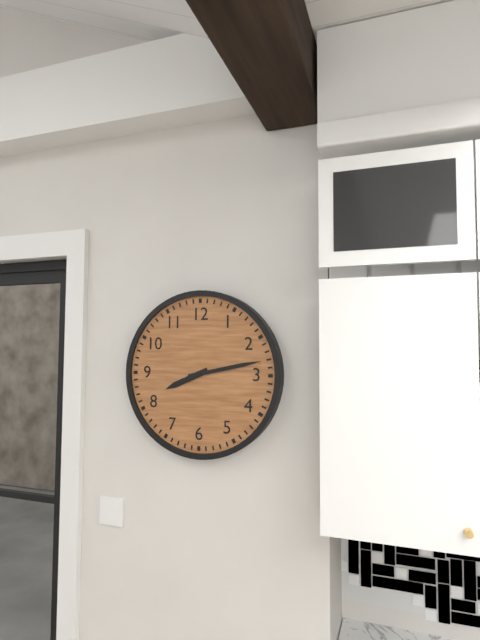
8:13
